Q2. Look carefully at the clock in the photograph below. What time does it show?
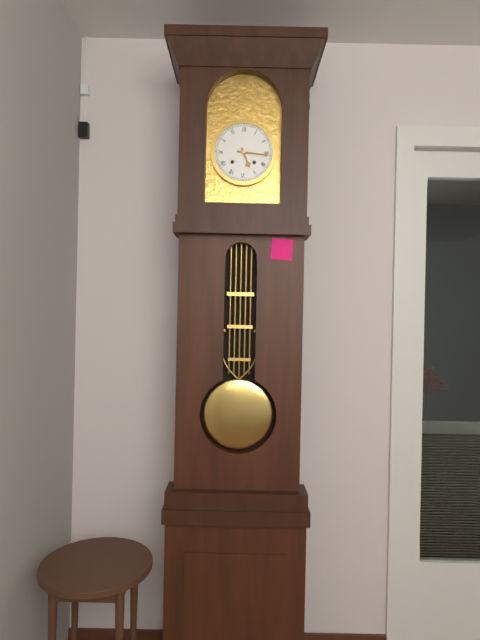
5:16
